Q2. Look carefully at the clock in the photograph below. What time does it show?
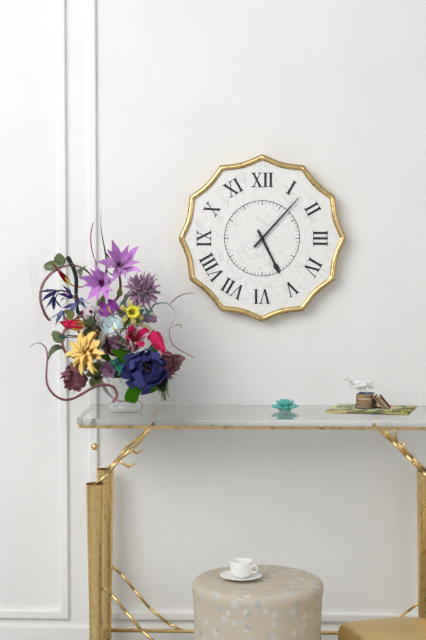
5:07
